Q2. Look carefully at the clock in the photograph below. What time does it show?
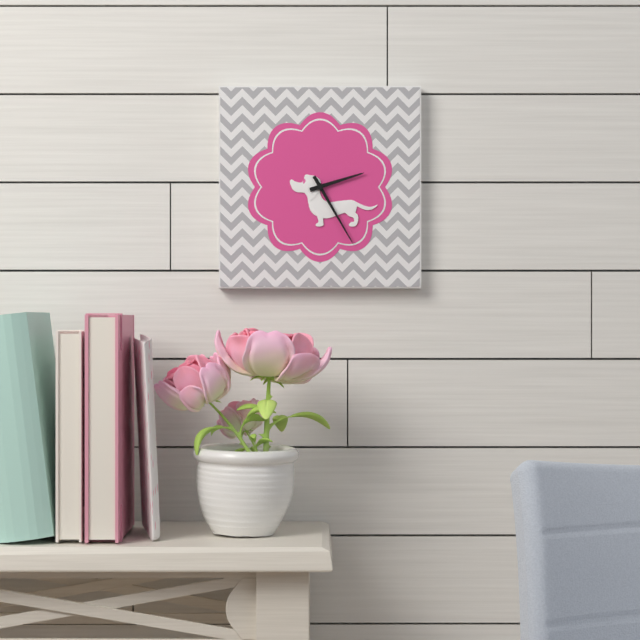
2:25
